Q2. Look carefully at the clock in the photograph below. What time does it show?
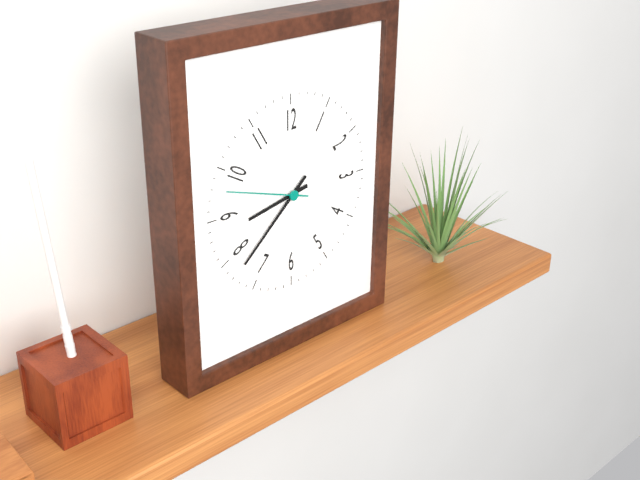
8:38:48
